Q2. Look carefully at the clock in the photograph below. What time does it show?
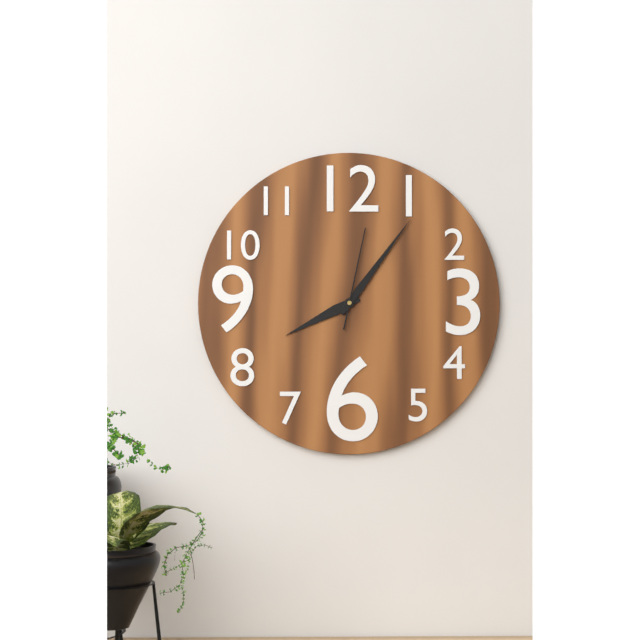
8:06:02
